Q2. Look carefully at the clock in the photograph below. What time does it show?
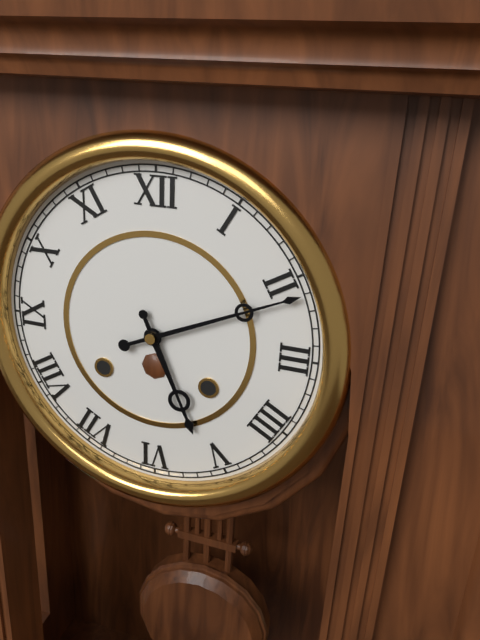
5:11
